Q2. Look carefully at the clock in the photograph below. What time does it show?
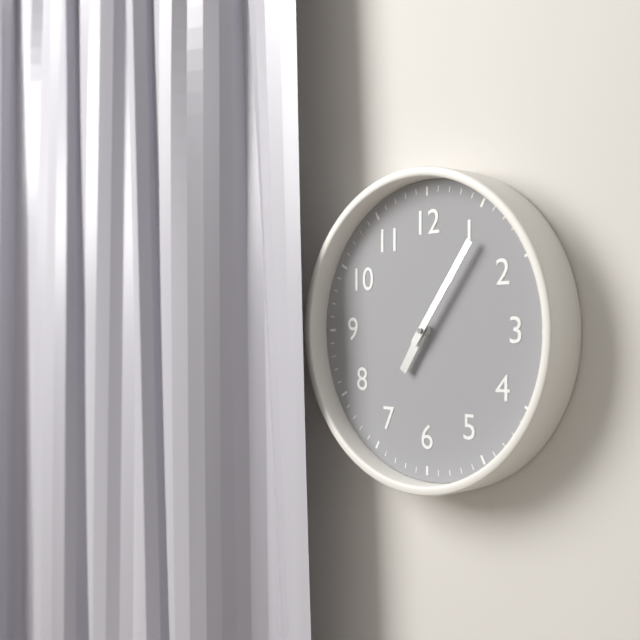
7:06
